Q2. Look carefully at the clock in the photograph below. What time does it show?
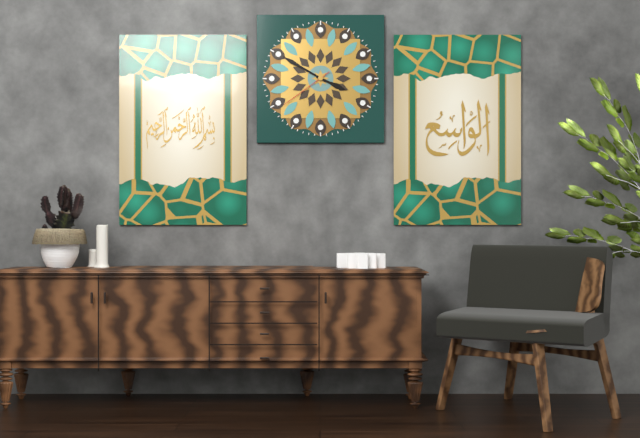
3:50:39
